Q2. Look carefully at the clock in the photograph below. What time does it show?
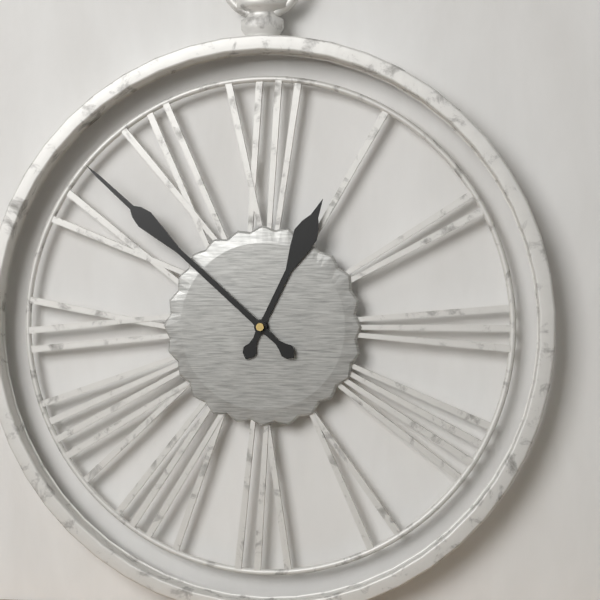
12:52
